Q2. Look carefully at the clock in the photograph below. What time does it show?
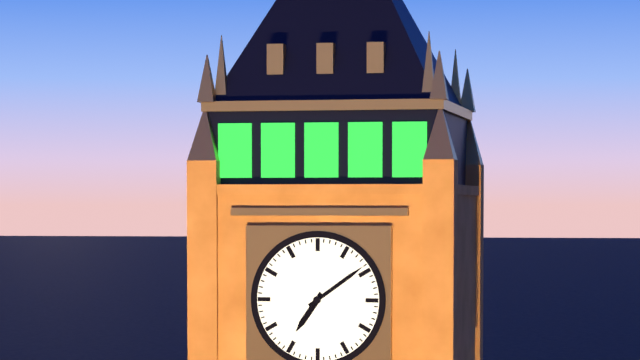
7:09
